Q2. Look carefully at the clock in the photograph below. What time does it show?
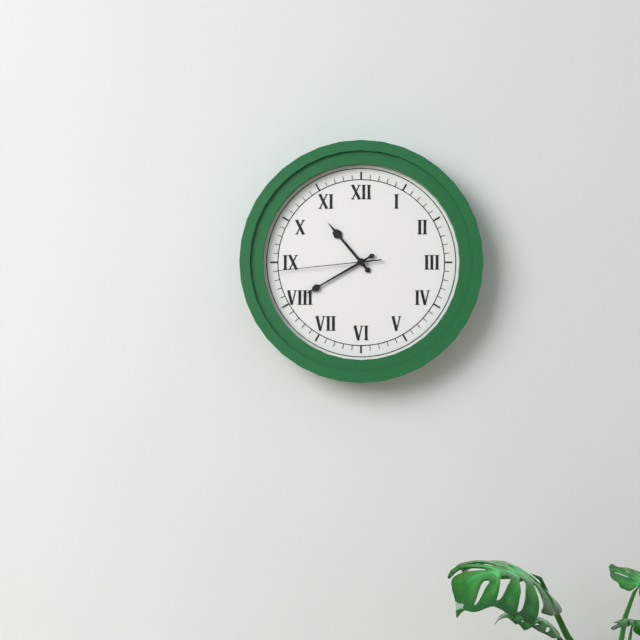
10:40:44
